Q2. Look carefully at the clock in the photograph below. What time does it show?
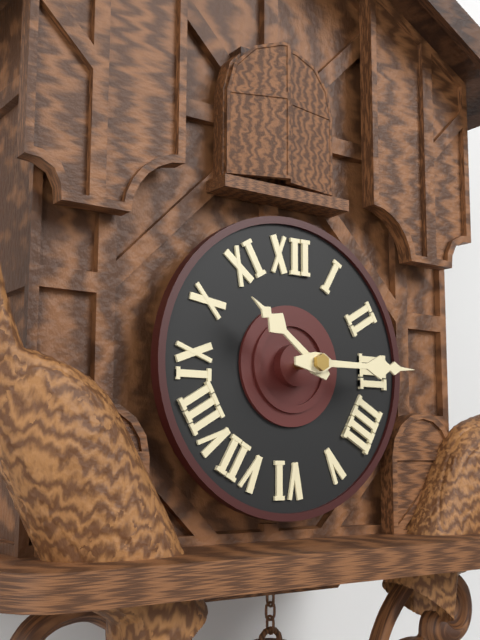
10:15
